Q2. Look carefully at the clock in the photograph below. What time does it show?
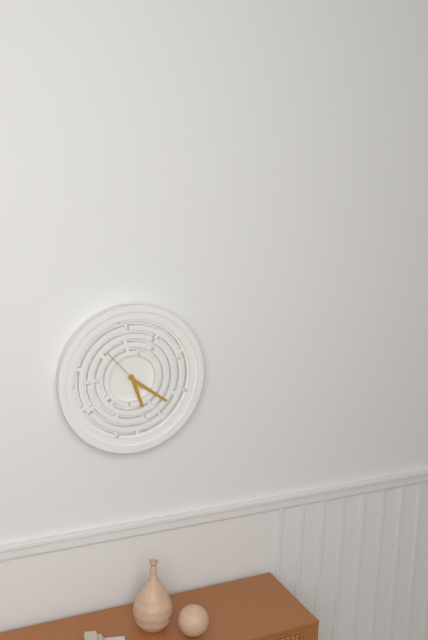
5:21
